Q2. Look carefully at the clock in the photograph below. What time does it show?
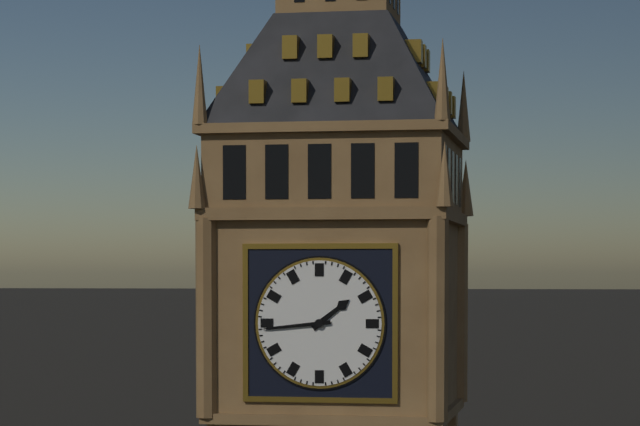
1:44
